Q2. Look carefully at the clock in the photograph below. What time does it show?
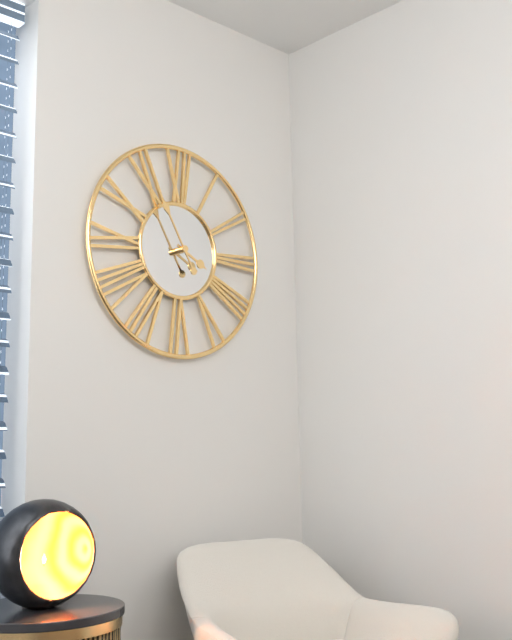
3:55
